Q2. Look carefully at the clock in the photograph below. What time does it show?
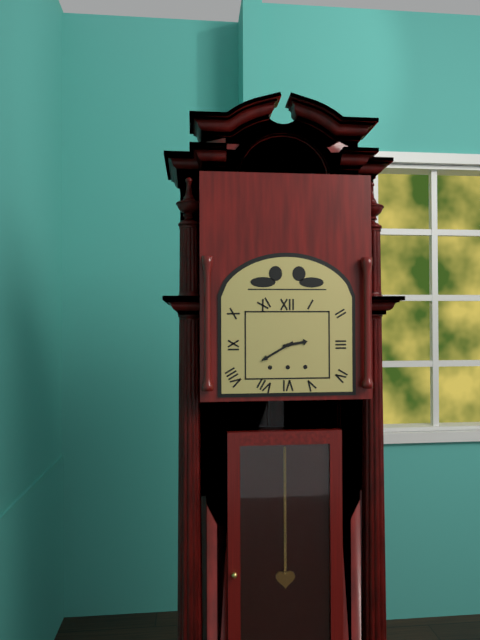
2:40
